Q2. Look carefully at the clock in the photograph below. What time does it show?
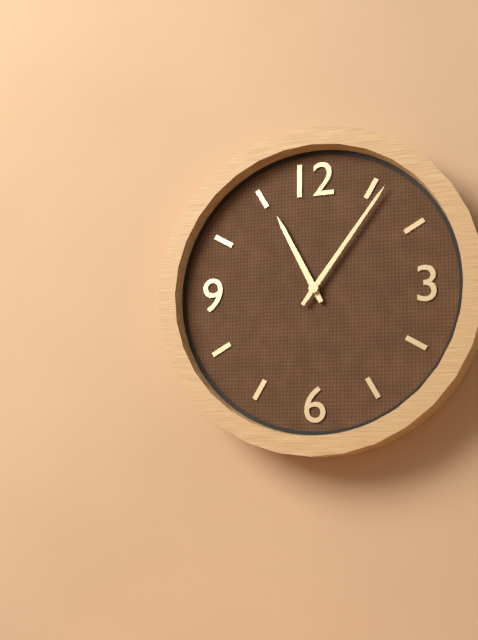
11:06
